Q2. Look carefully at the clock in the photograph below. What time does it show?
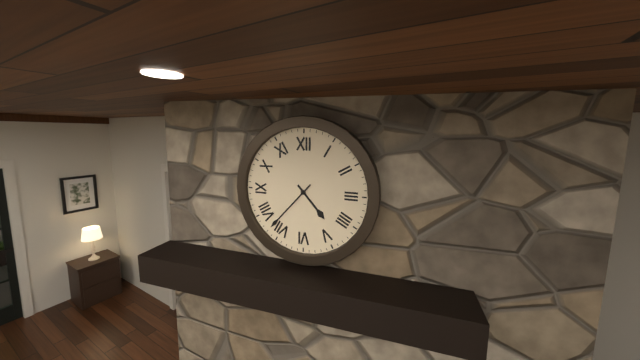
4:37
